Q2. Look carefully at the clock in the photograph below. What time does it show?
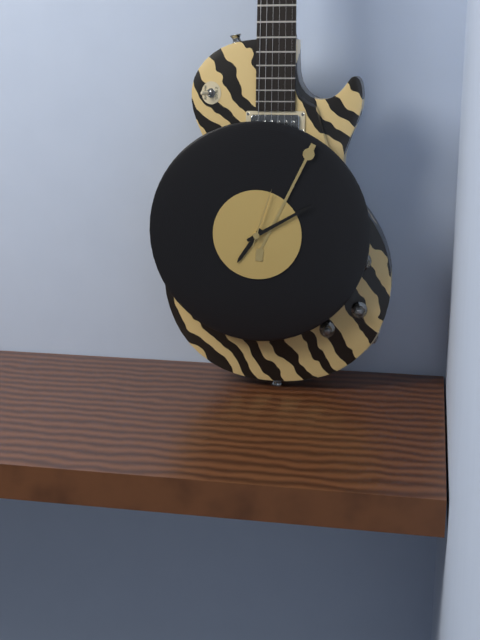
7:10:03
